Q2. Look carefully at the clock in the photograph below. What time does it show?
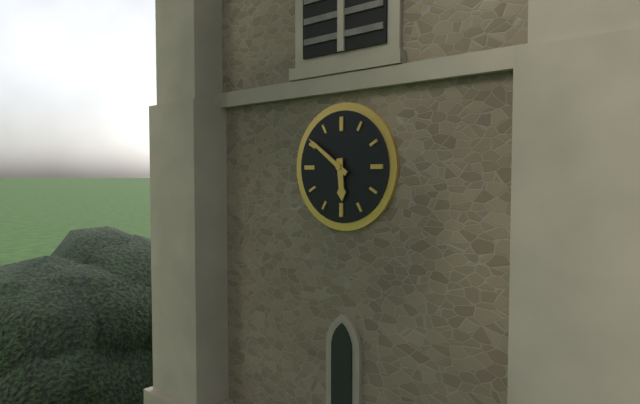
5:51
